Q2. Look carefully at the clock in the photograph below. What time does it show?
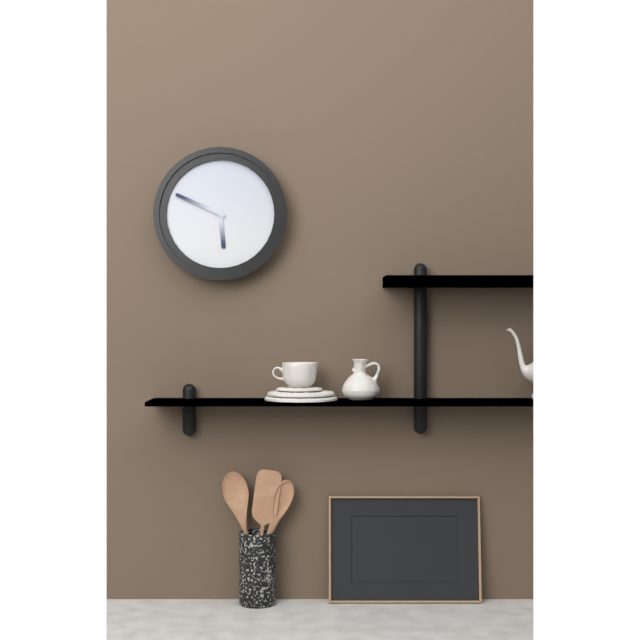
5:49
